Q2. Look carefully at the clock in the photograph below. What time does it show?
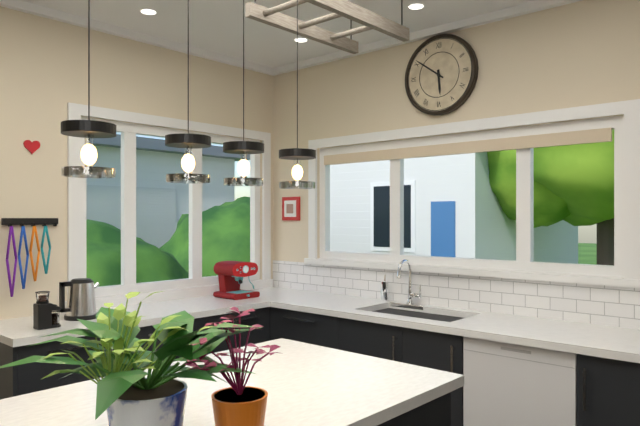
5:51
